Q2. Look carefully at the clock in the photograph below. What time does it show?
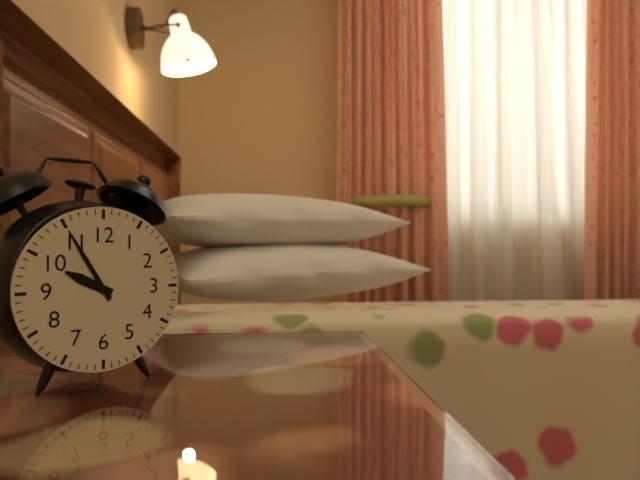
9:55
